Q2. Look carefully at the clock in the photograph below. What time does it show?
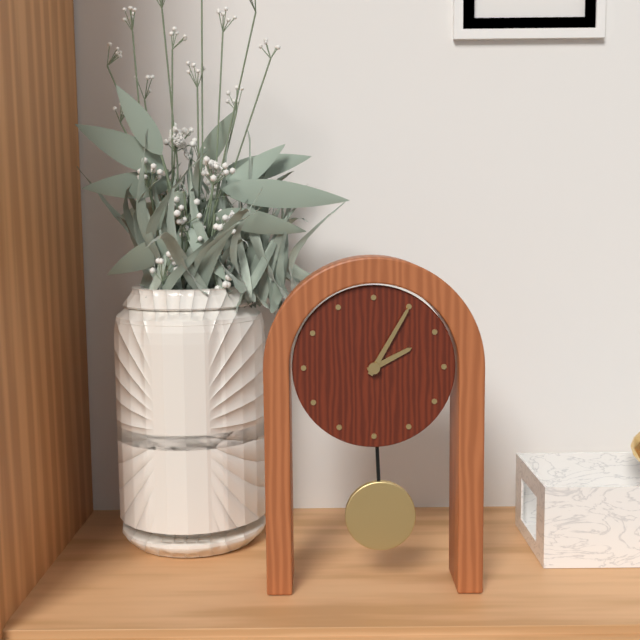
2:05
